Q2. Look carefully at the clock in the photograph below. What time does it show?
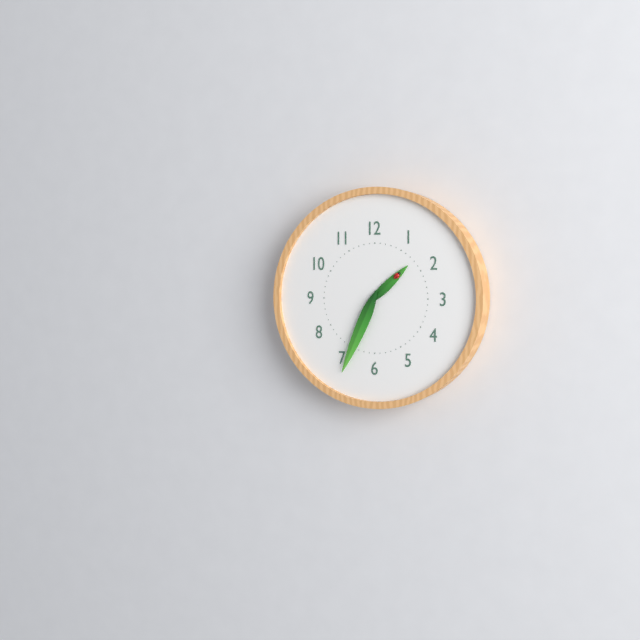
1:34
